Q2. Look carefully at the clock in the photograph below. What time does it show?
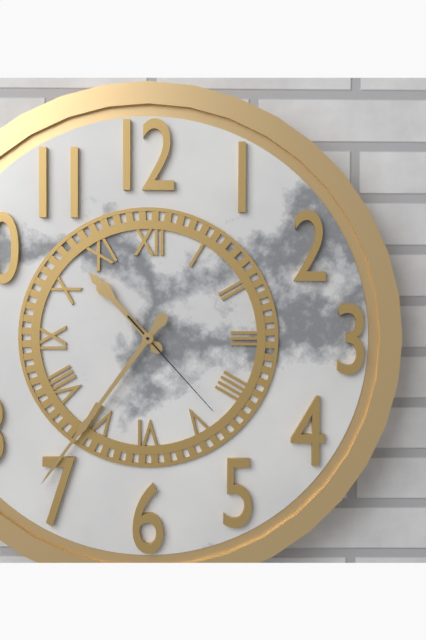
10:36:23
